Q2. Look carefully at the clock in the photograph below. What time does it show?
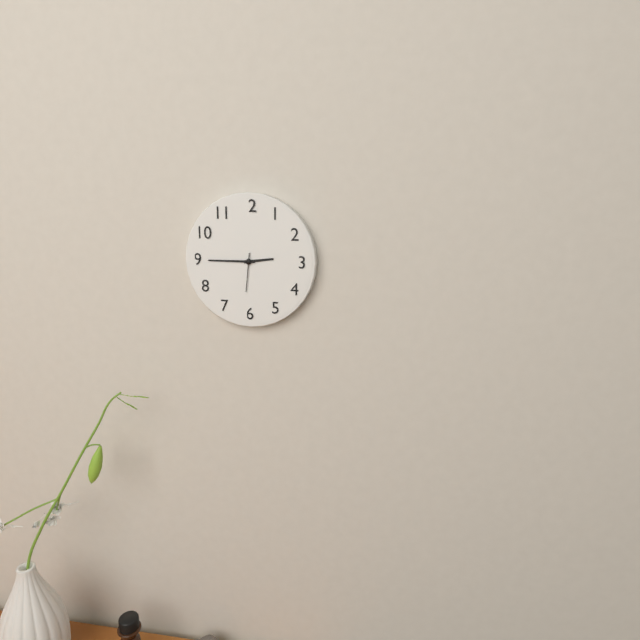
2:45
